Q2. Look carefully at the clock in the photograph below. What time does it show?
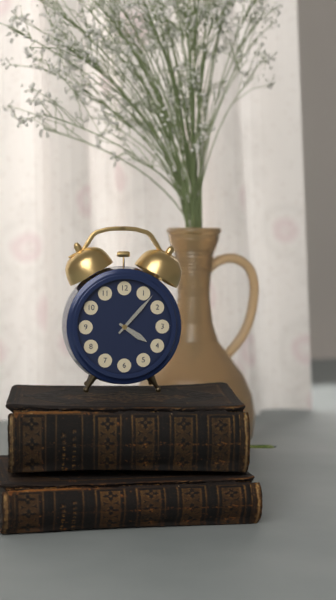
4:07
